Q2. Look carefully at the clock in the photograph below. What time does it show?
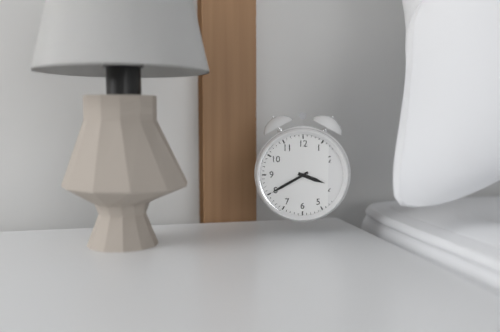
3:40
